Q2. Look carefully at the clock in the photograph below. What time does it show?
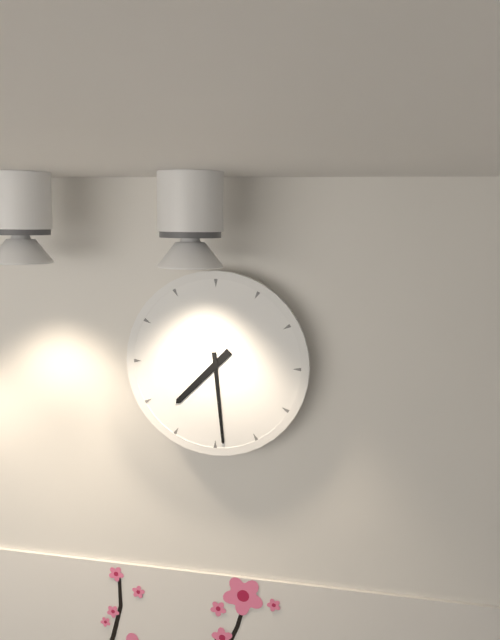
7:29
